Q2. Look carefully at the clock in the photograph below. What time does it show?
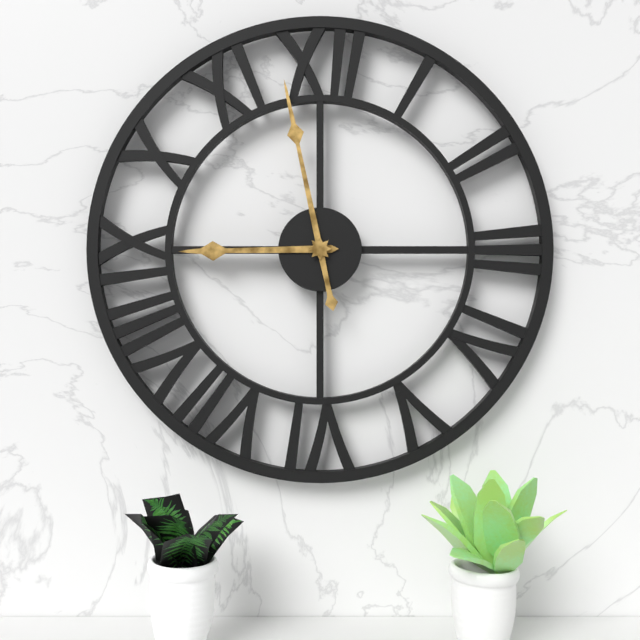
8:58
